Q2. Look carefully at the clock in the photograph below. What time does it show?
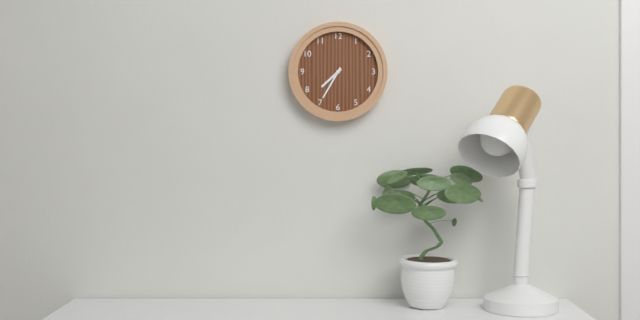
7:35
